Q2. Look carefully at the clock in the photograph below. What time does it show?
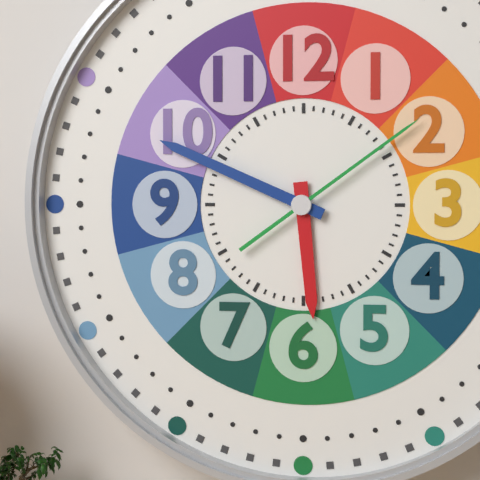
5:49:09
